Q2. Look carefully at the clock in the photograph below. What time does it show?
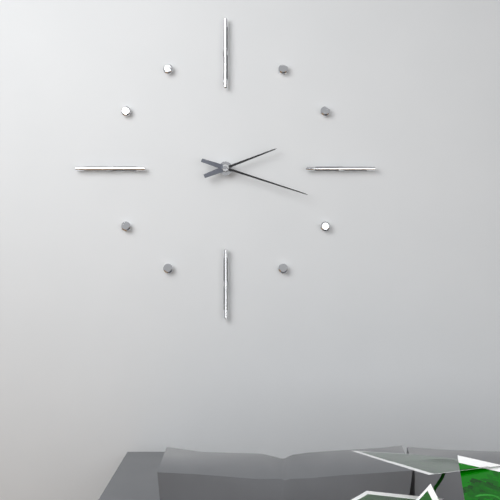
2:18
